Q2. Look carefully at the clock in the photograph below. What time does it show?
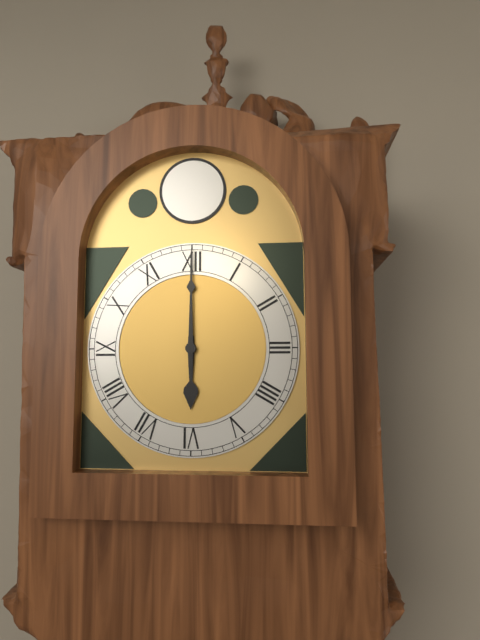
6:00
